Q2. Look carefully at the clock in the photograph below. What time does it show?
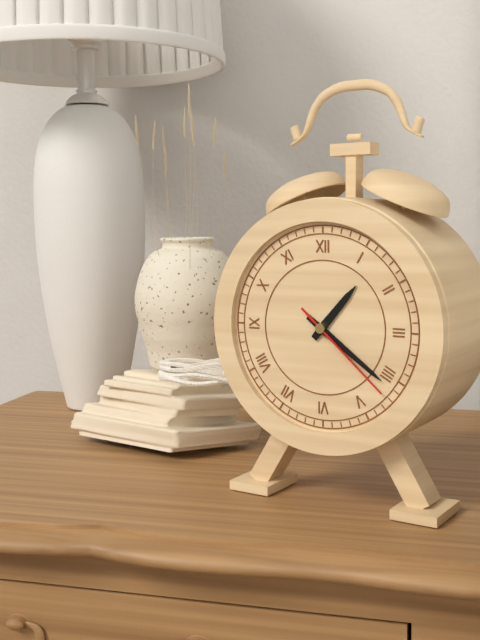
1:21:22
